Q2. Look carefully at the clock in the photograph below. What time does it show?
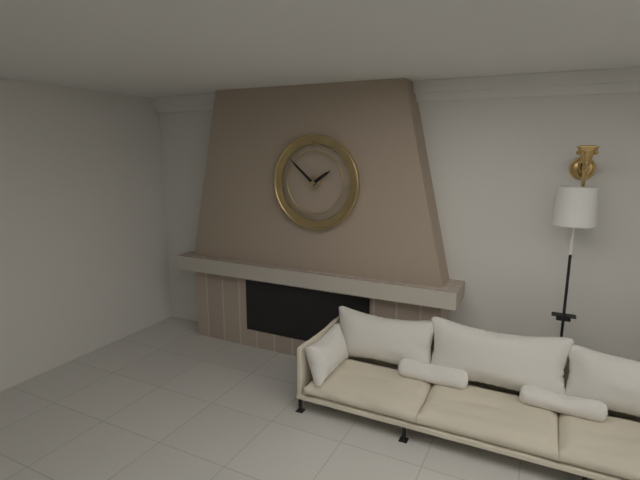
1:52
